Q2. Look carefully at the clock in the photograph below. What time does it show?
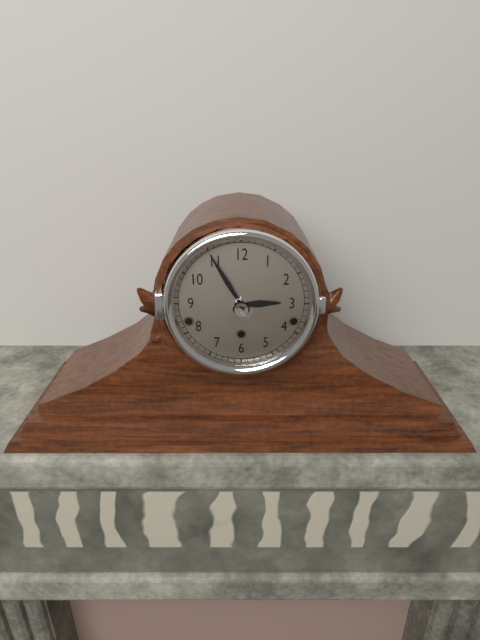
2:55
